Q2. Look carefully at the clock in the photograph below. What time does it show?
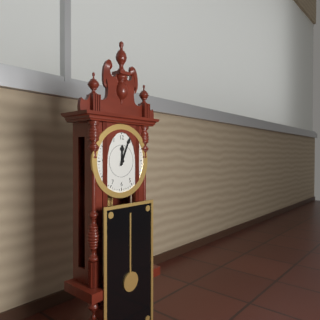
12:04
